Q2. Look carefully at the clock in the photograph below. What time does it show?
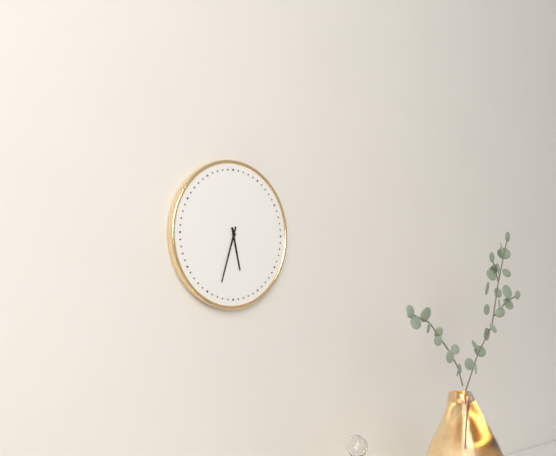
5:33
